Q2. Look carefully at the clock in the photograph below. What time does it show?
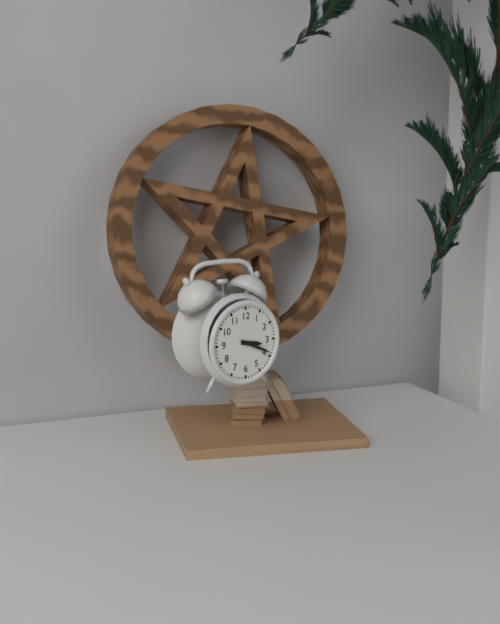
3:19
